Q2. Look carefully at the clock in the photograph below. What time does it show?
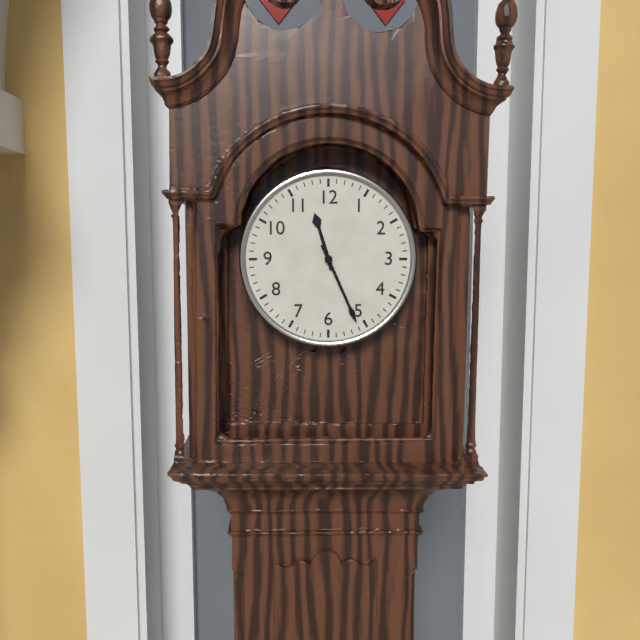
11:26
